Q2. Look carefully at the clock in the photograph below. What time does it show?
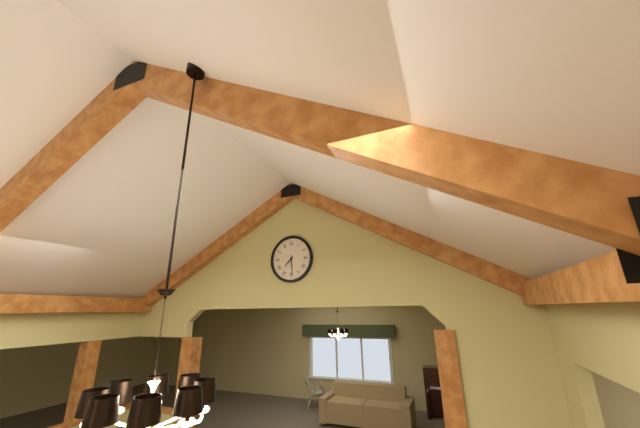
7:29
